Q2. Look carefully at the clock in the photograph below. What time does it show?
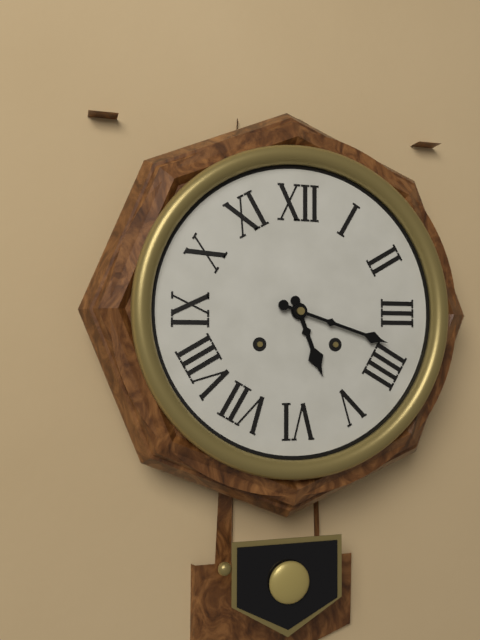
5:18
